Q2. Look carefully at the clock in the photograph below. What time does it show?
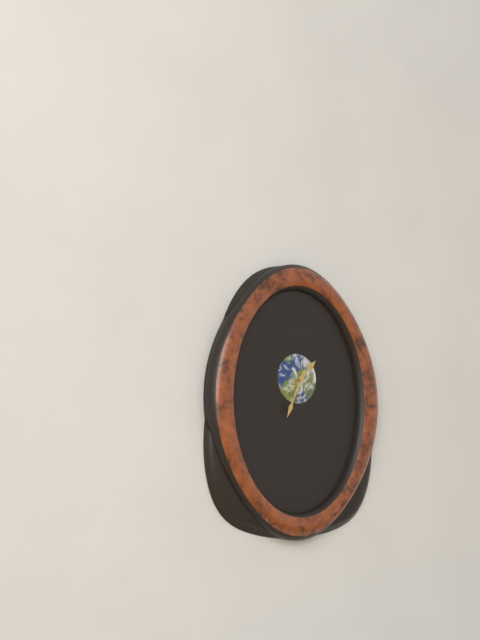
1:34
